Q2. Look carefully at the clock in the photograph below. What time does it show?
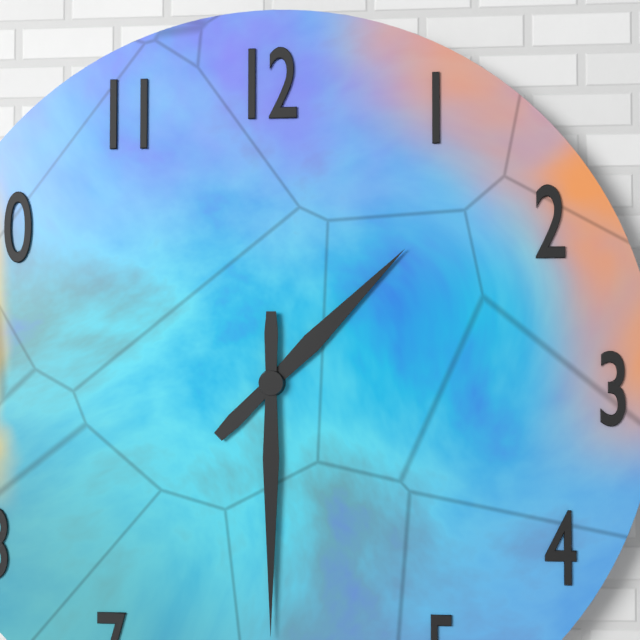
1:30
